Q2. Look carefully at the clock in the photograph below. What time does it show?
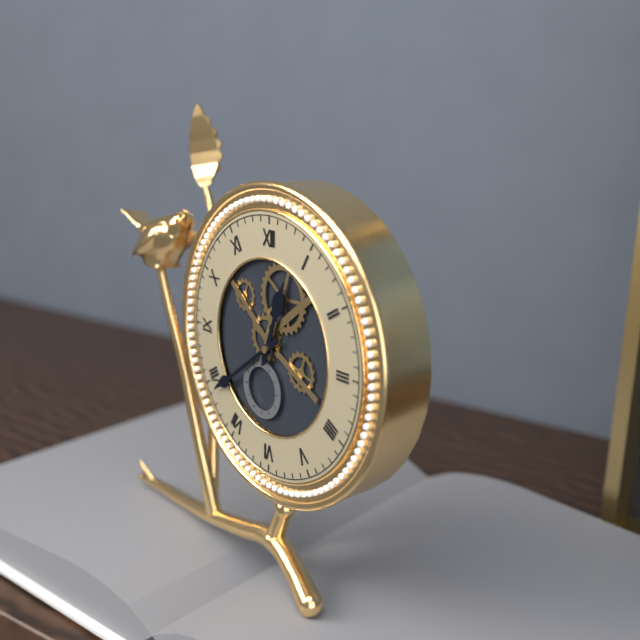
12:39
